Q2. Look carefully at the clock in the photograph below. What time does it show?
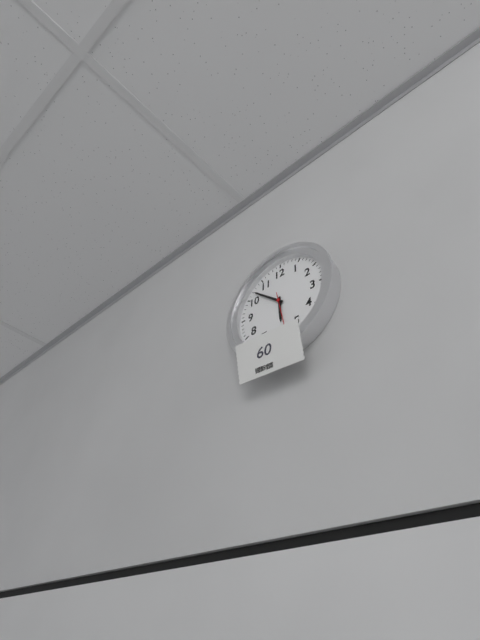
5:52
